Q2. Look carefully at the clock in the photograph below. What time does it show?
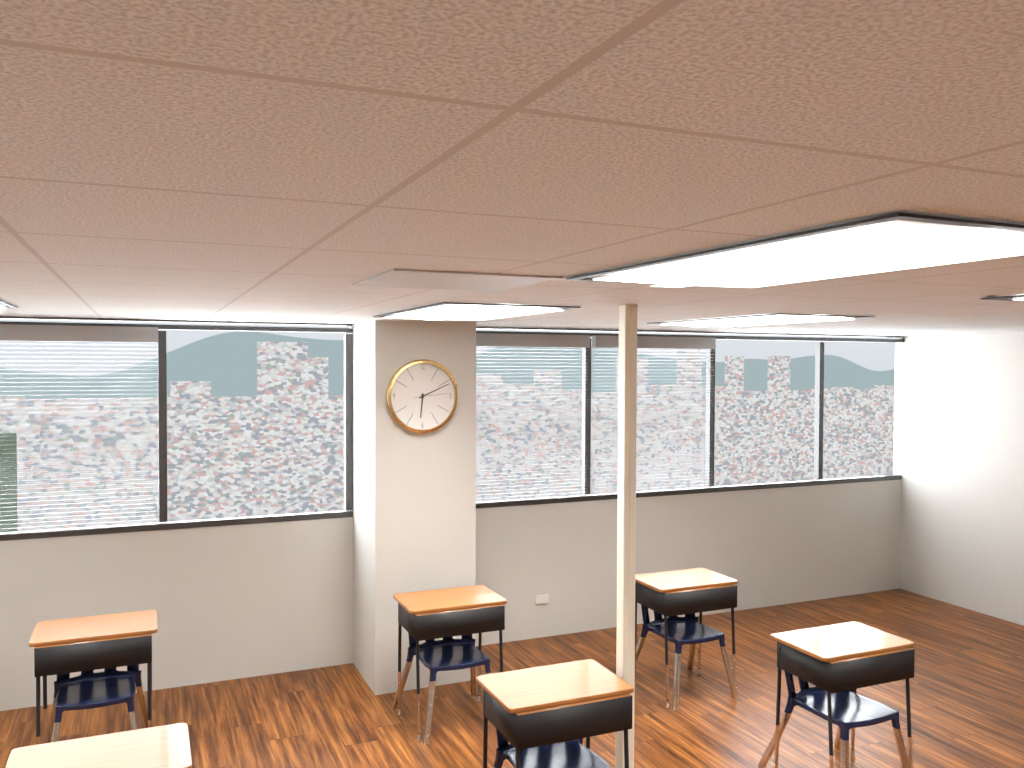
6:11
